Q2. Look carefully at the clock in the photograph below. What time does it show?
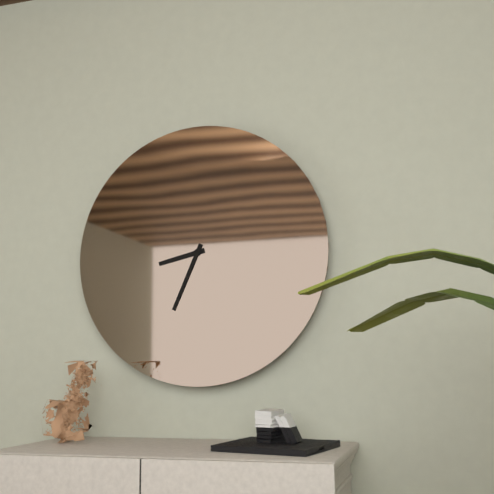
8:34
